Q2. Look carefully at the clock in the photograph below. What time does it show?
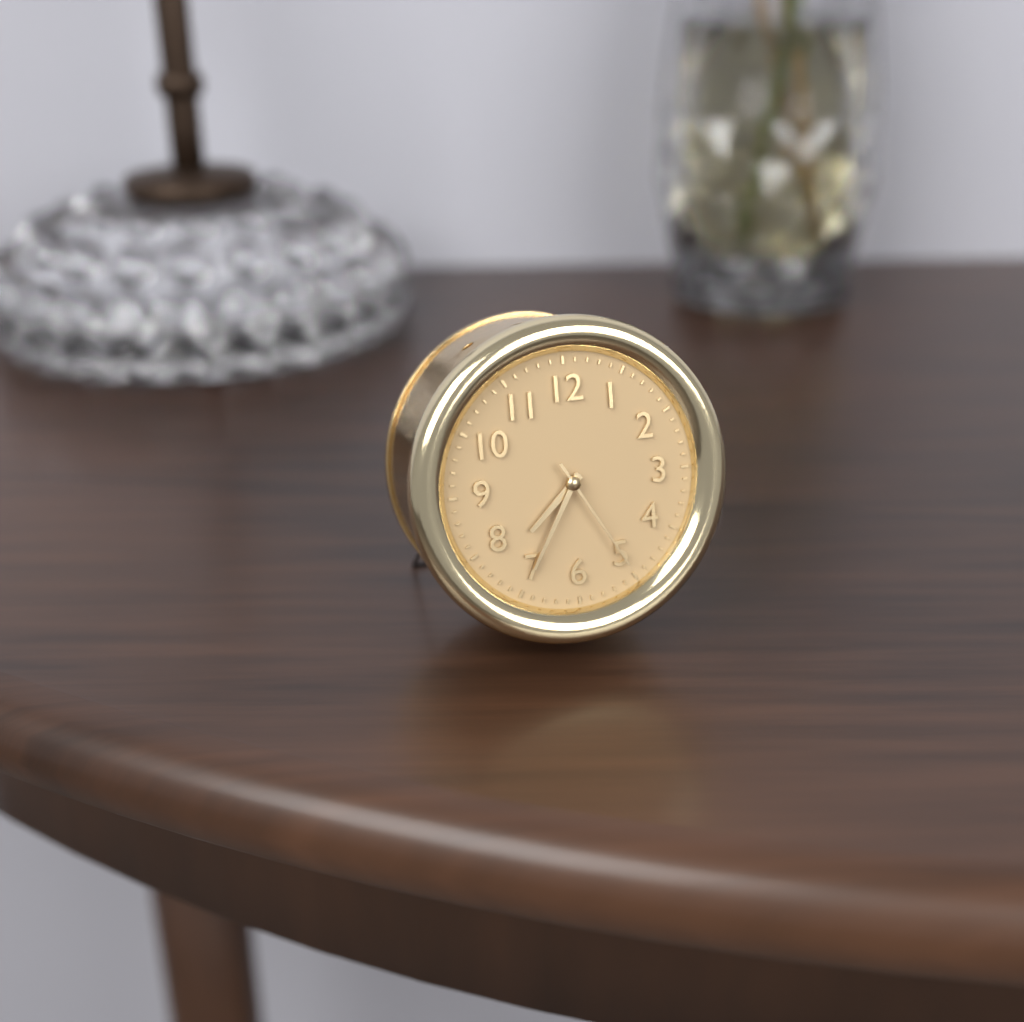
7:35:25
